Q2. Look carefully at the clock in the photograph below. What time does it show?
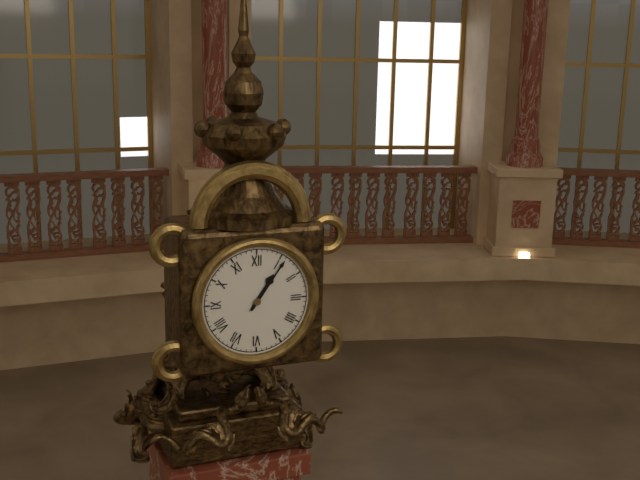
1:06
